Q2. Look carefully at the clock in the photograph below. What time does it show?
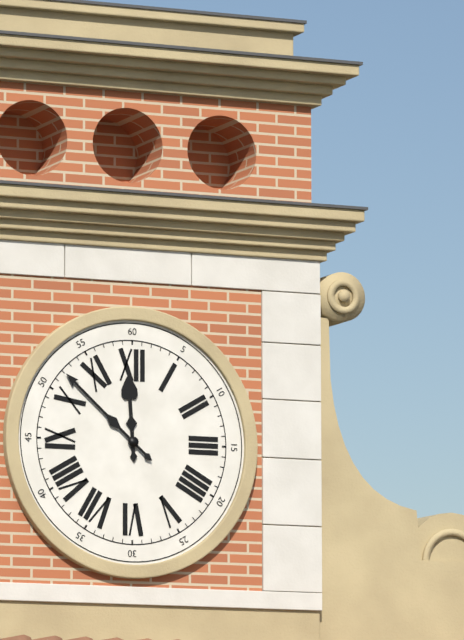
11:52
